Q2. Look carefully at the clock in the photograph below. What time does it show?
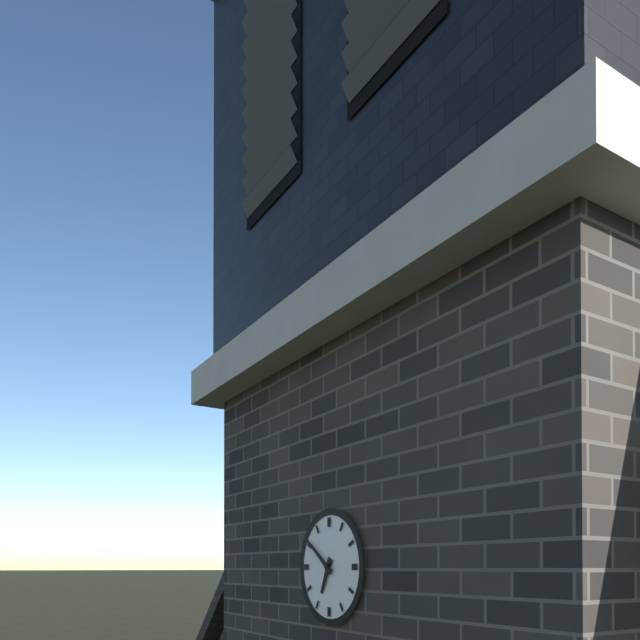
6:51
